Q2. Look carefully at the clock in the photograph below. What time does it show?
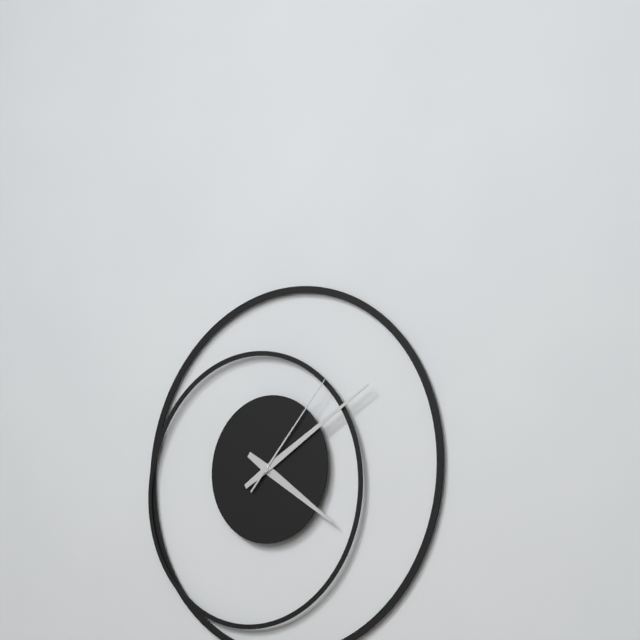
4:10:07
